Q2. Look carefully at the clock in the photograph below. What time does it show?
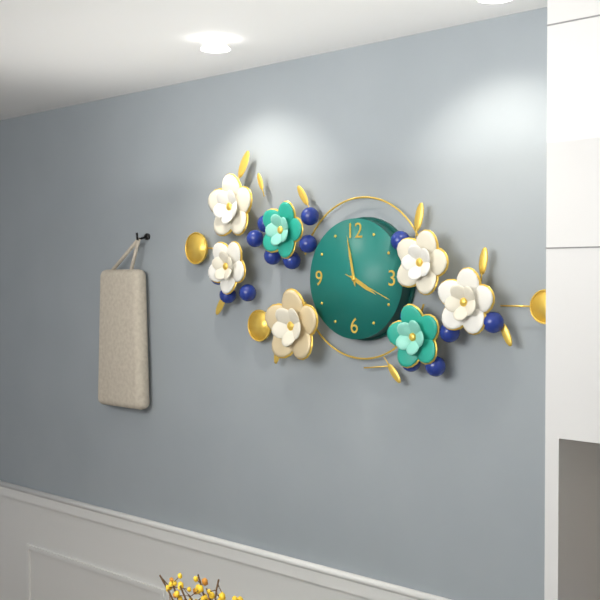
3:58:19
